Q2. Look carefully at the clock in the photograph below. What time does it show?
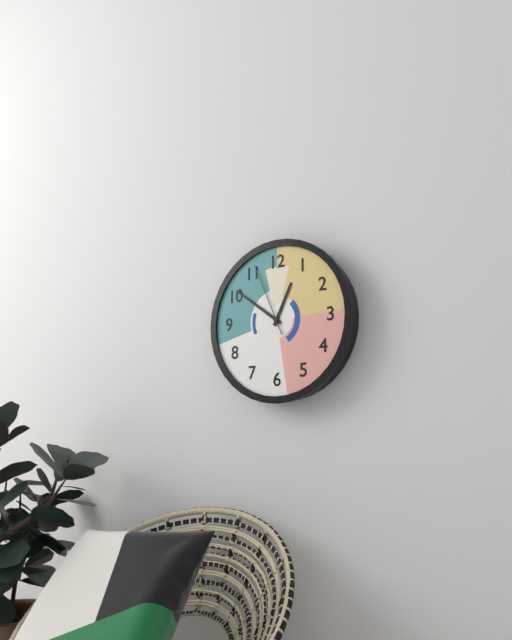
12:51:56
